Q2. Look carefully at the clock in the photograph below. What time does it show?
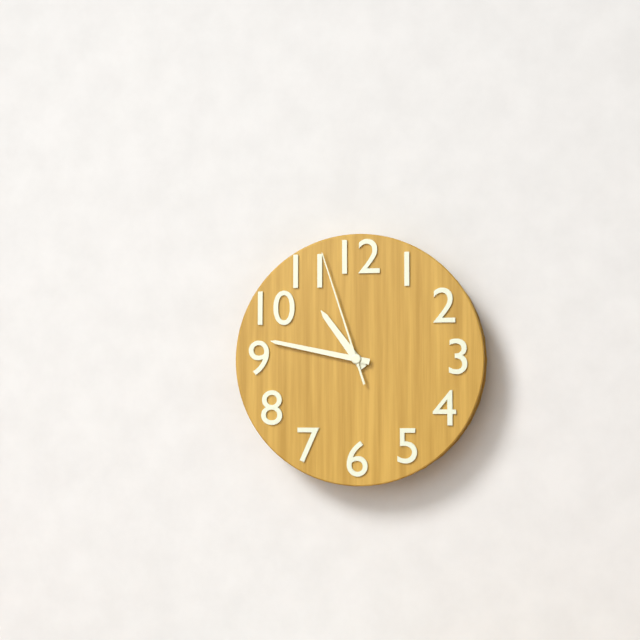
10:47:57
